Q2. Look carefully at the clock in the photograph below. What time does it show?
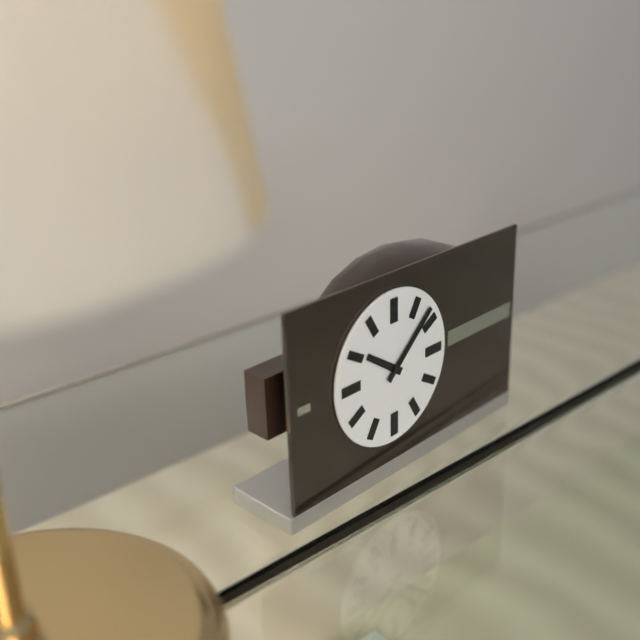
10:08
